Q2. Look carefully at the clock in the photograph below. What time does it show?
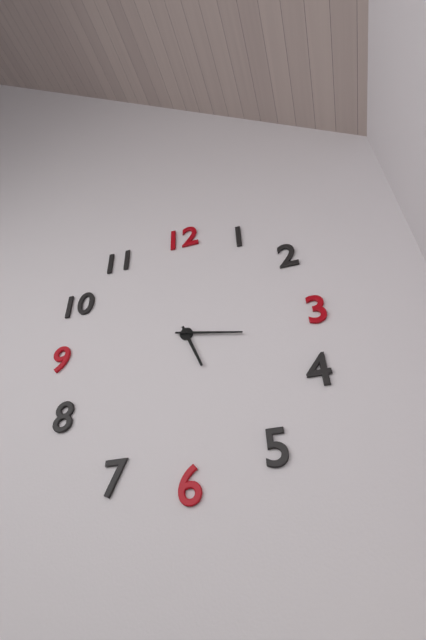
5:17
